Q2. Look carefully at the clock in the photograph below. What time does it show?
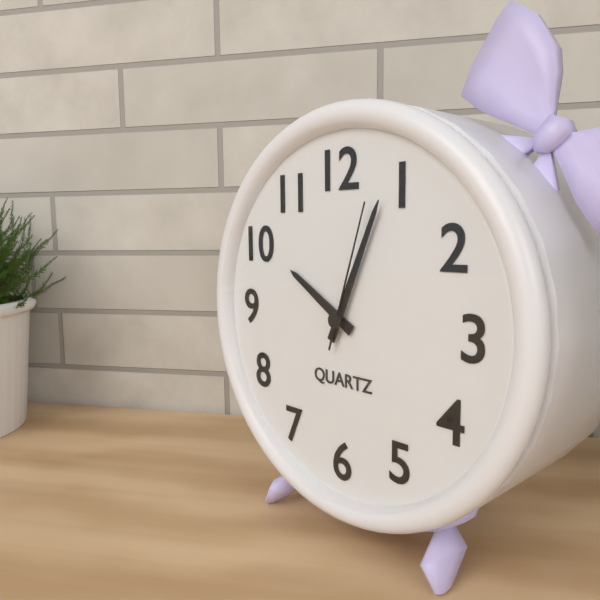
10:04:03
